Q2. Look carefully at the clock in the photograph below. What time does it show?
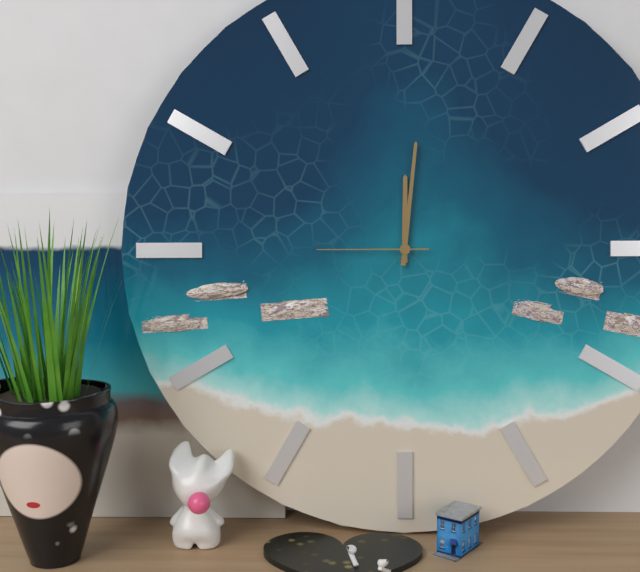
12:01:45
